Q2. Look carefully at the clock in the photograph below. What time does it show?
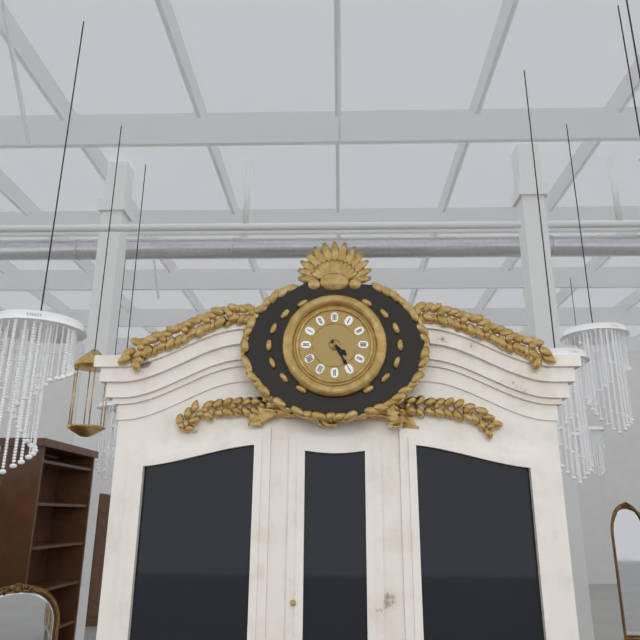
4:25
